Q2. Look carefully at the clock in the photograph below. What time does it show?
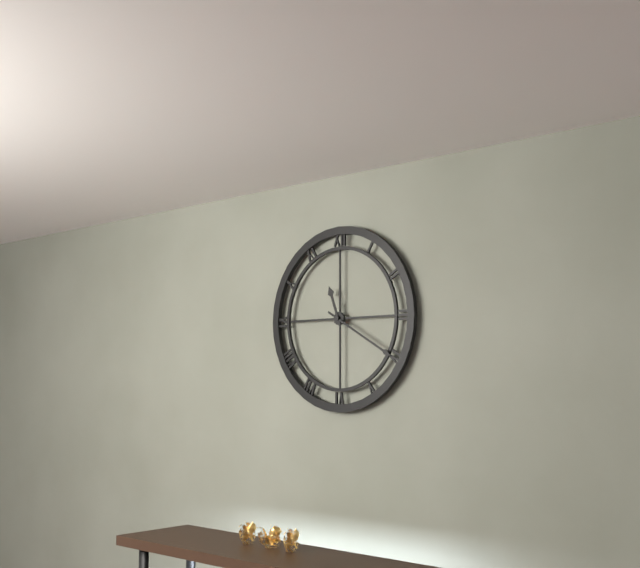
11:20
